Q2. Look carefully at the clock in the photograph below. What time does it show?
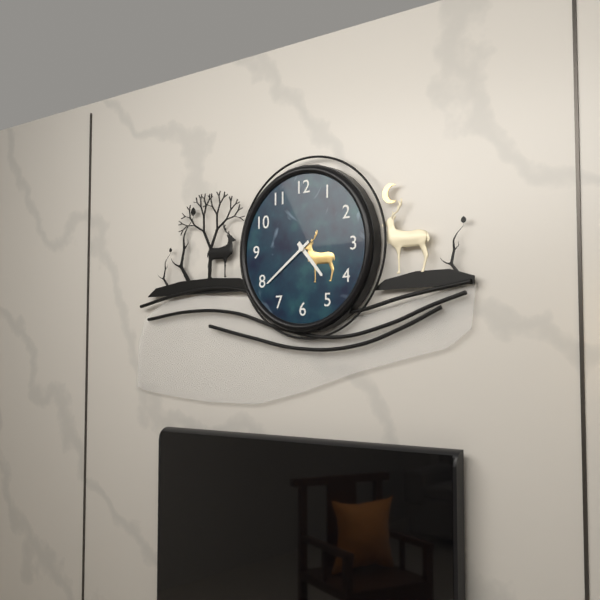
4:39
